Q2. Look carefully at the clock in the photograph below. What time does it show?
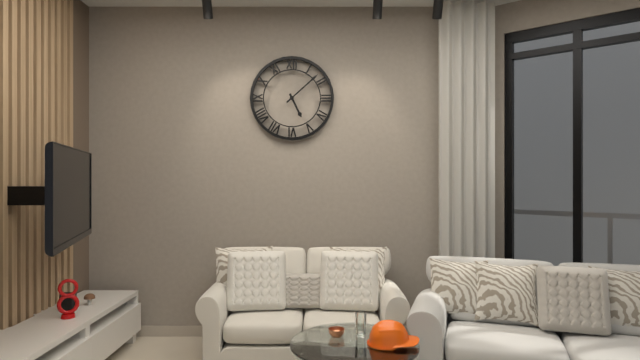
5:08
